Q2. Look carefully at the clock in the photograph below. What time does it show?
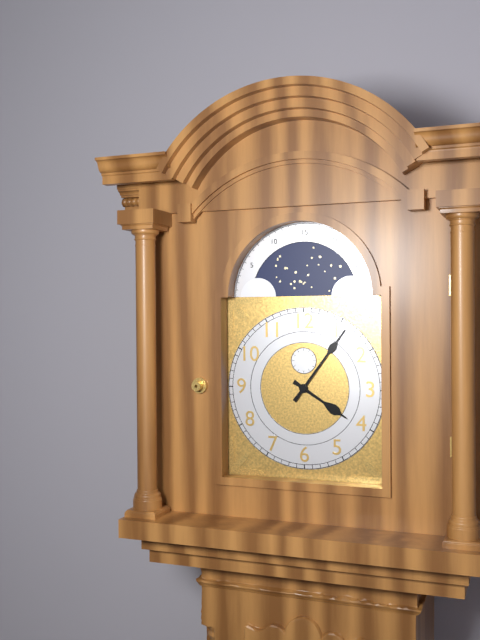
4:06
